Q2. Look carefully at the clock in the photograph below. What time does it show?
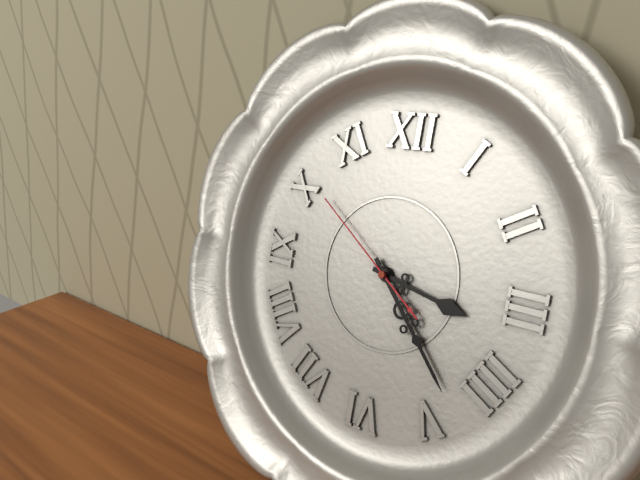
3:23:51
